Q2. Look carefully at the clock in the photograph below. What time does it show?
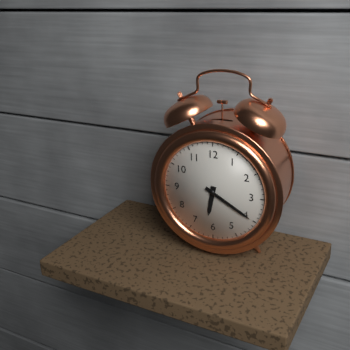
6:20
